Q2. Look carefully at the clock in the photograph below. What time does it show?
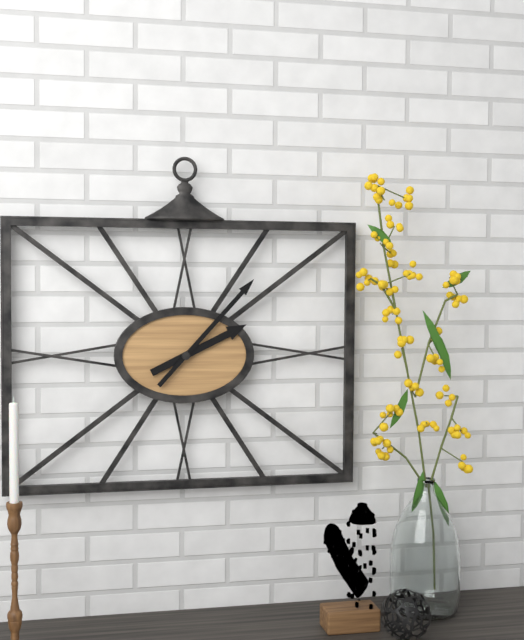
2:07
